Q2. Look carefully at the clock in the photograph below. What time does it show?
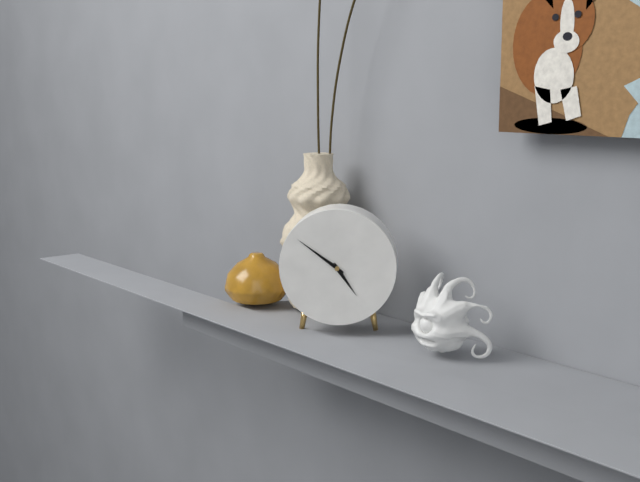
4:51
